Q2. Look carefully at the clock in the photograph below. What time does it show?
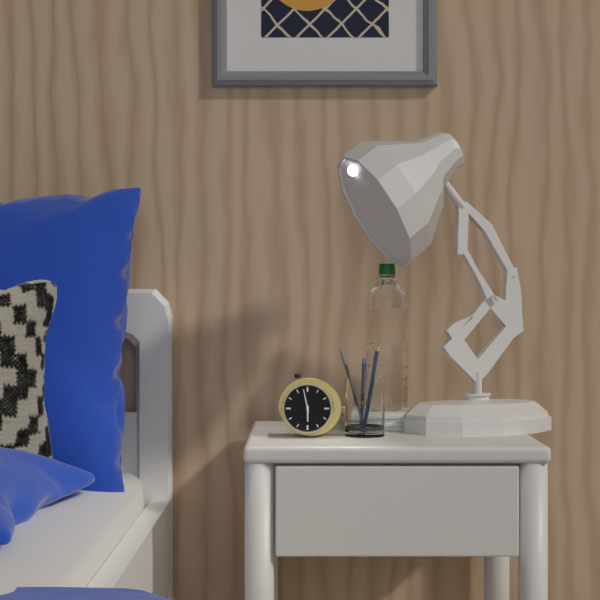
5:58
